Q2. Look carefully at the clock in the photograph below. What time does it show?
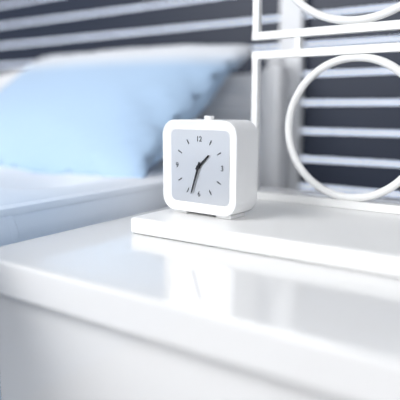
1:33
